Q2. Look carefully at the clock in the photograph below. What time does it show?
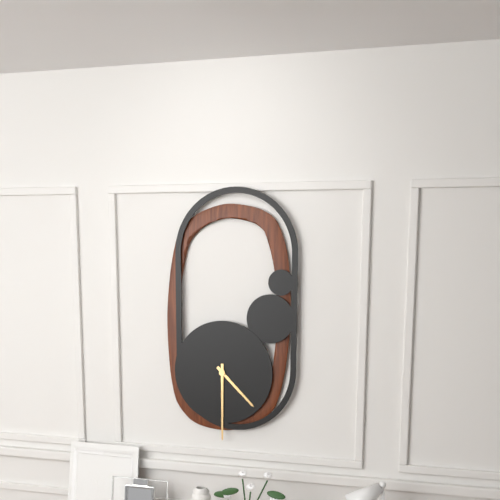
4:30
